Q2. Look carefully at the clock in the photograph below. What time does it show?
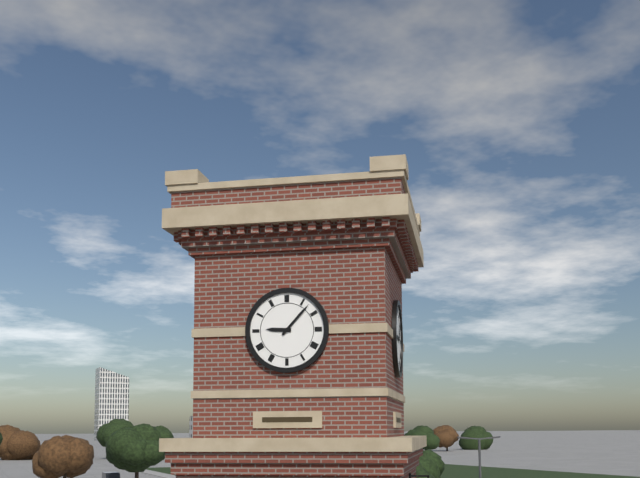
9:07
